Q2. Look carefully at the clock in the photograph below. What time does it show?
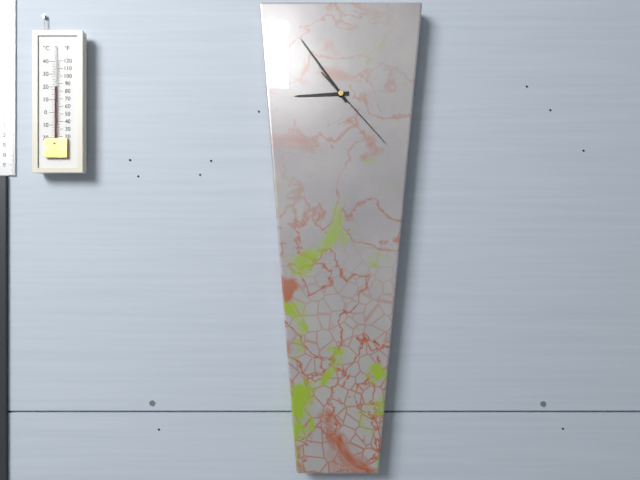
8:54:23
